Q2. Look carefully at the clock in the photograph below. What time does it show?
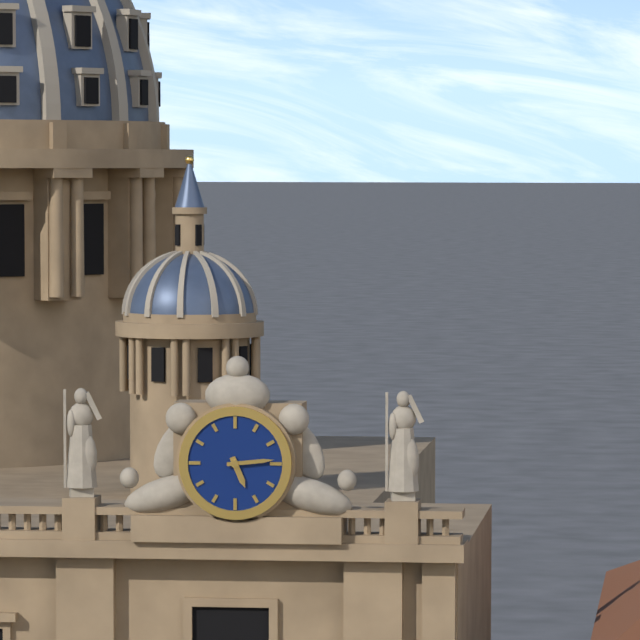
5:14
